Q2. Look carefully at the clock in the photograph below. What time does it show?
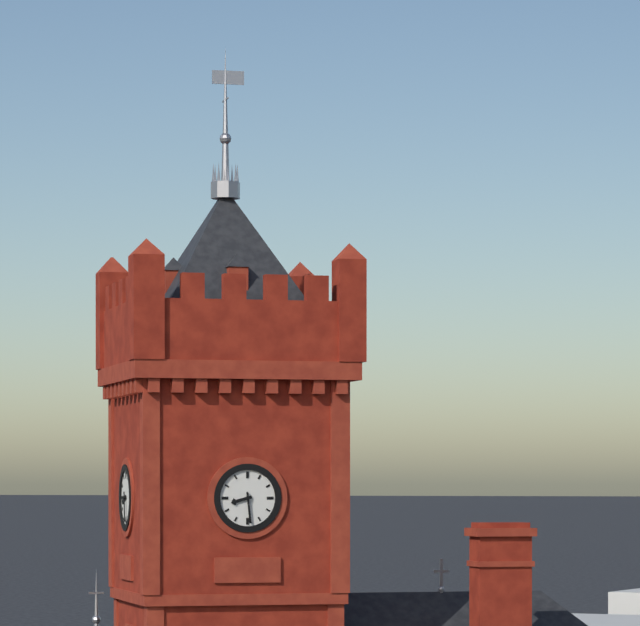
8:29
